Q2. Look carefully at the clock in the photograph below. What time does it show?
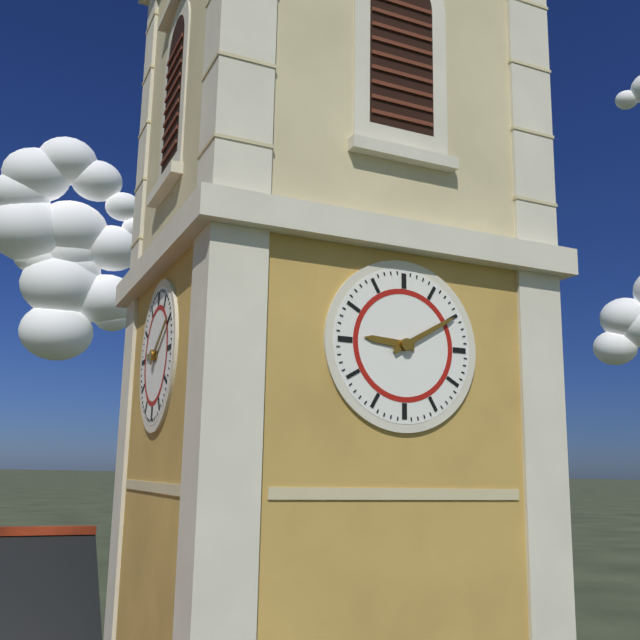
9:10
